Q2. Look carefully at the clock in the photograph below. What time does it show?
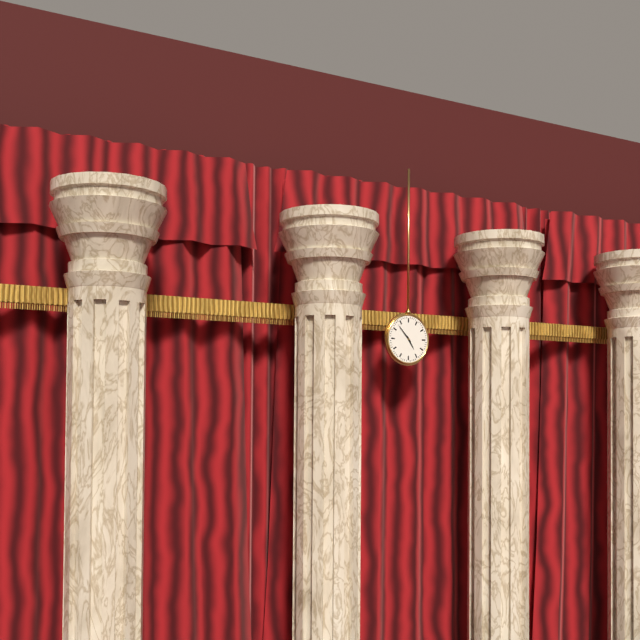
4:53
